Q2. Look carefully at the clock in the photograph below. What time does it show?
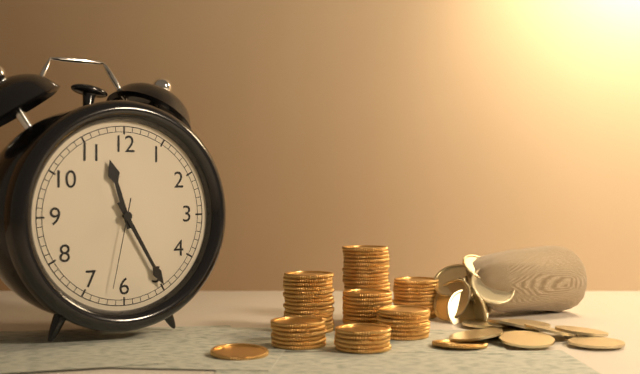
11:25:32
